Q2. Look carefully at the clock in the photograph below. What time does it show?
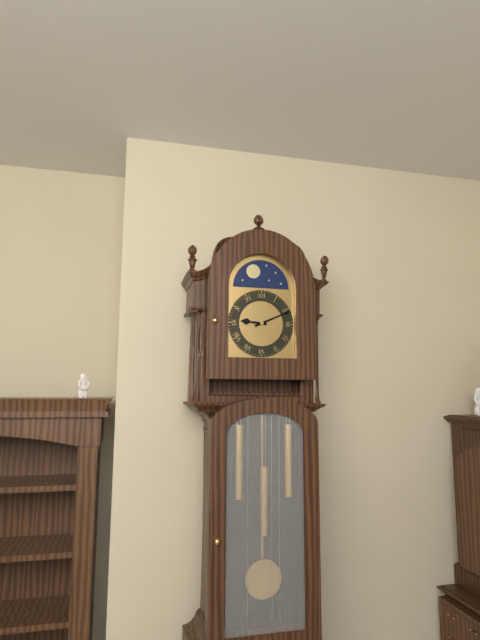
9:11
